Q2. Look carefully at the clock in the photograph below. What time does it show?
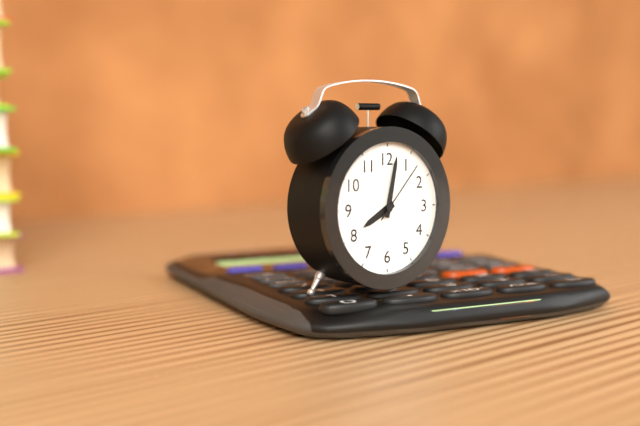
8:02:07
